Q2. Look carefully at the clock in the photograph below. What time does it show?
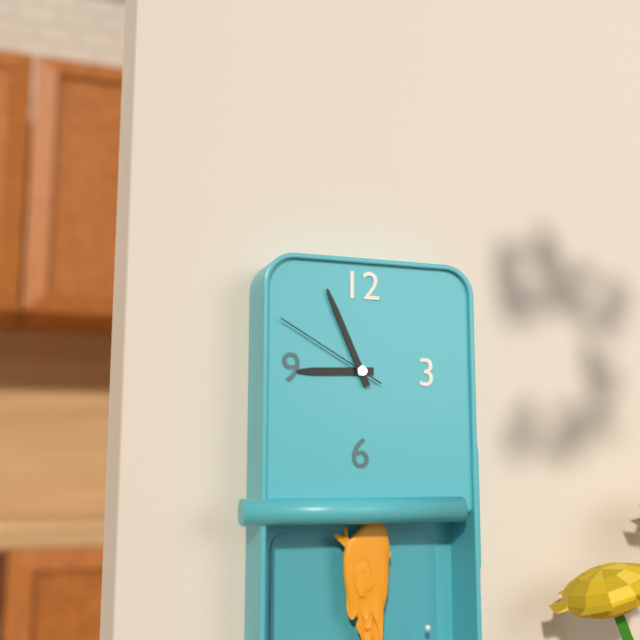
8:56:50
